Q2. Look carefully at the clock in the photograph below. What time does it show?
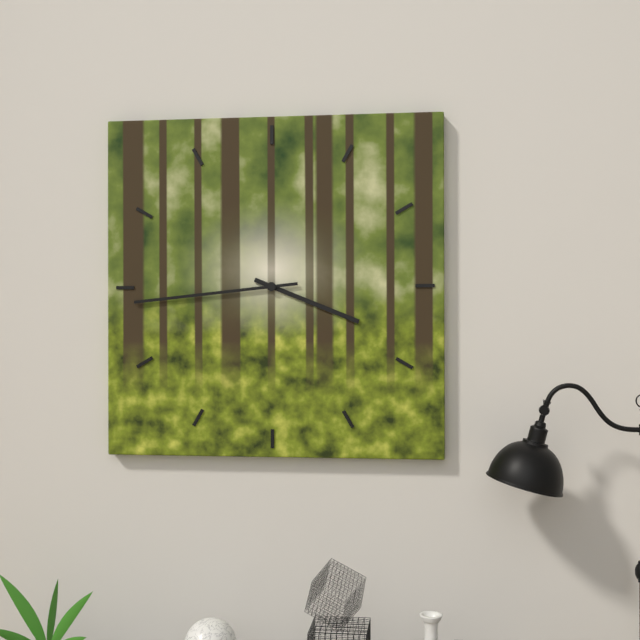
3:44
